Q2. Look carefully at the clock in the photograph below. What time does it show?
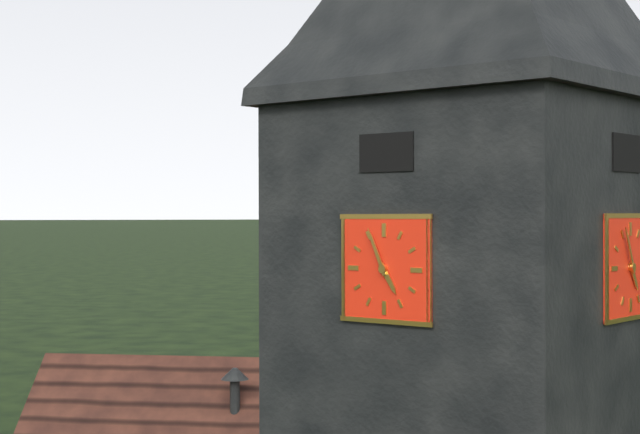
4:56
